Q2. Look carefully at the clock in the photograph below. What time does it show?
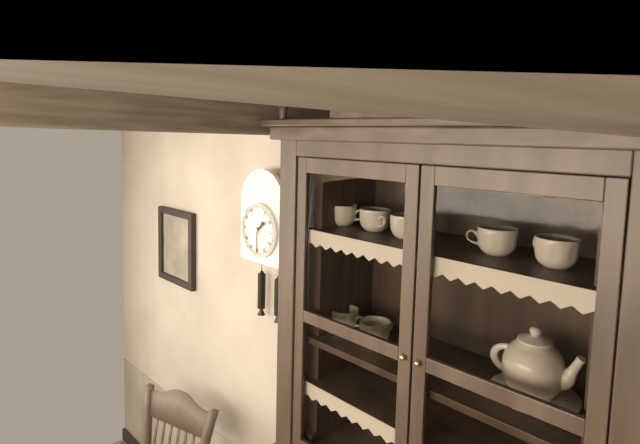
1:30
